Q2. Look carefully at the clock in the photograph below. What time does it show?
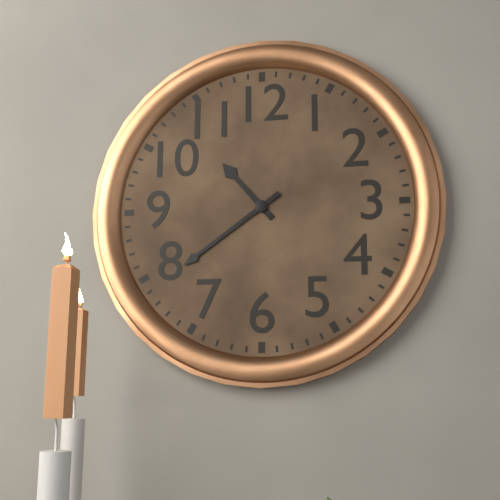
10:39
